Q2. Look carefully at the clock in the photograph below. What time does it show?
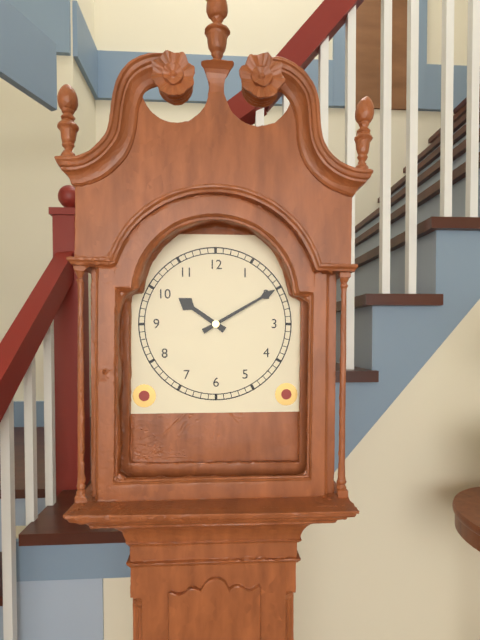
10:10
